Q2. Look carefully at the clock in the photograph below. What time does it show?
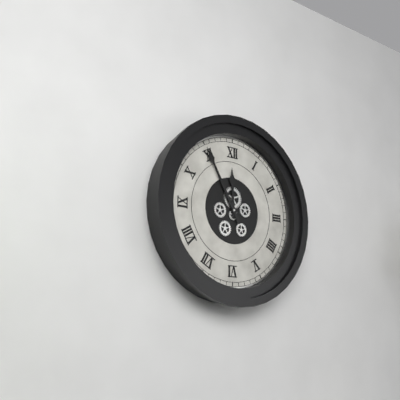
11:55
